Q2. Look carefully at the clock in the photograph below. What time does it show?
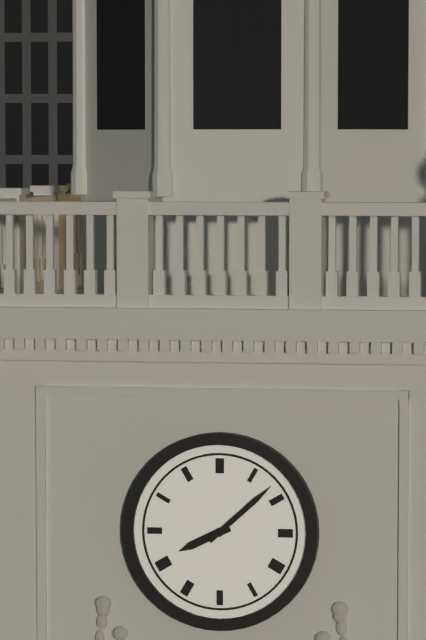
8:08
